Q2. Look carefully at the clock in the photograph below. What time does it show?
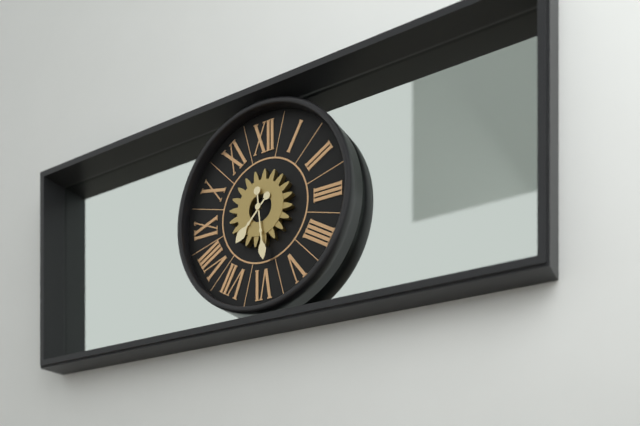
7:29
